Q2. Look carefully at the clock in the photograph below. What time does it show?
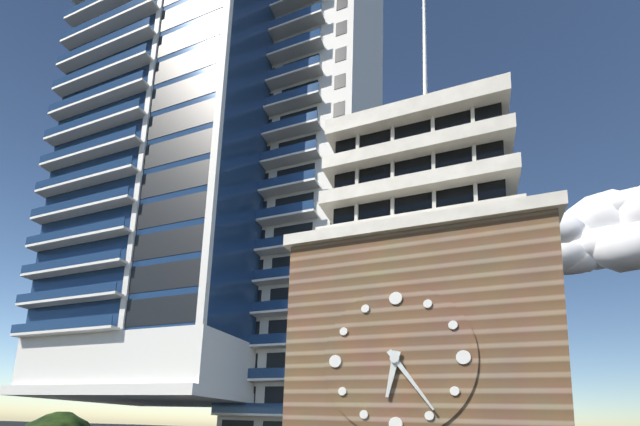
6:24
